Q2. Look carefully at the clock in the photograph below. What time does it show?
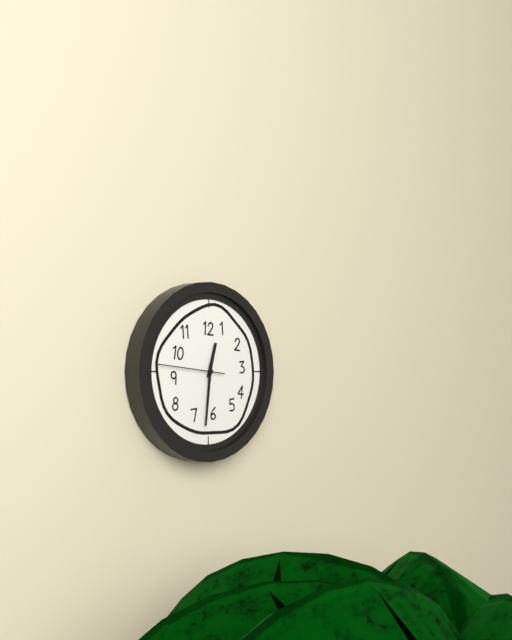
12:31:46
